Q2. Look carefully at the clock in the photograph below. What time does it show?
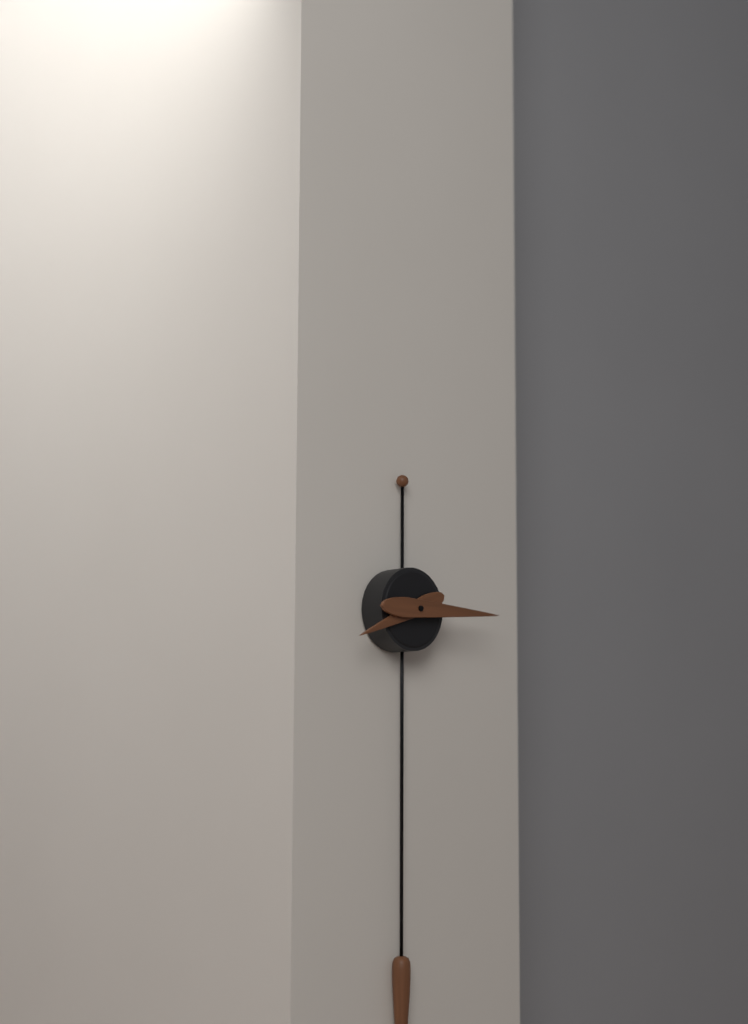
8:15
